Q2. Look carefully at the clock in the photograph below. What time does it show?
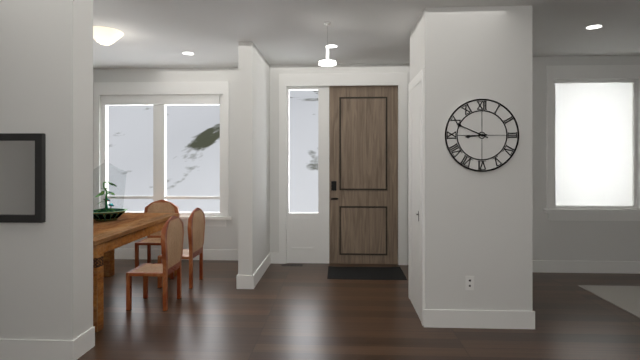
8:49
